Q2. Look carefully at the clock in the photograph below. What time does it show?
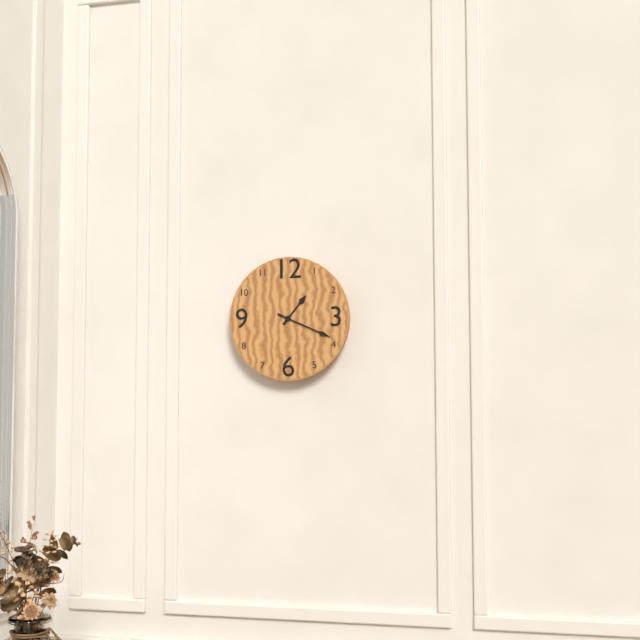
1:19
